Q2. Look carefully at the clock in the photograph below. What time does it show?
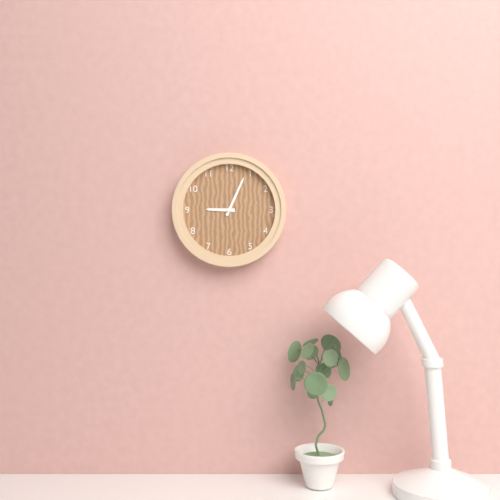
9:04
